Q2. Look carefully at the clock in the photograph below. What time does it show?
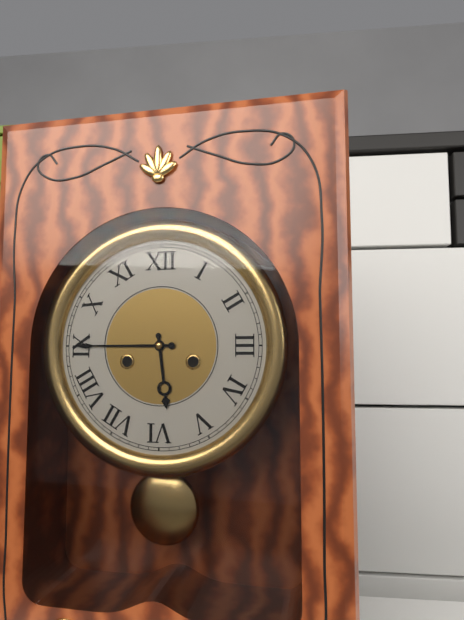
5:45
